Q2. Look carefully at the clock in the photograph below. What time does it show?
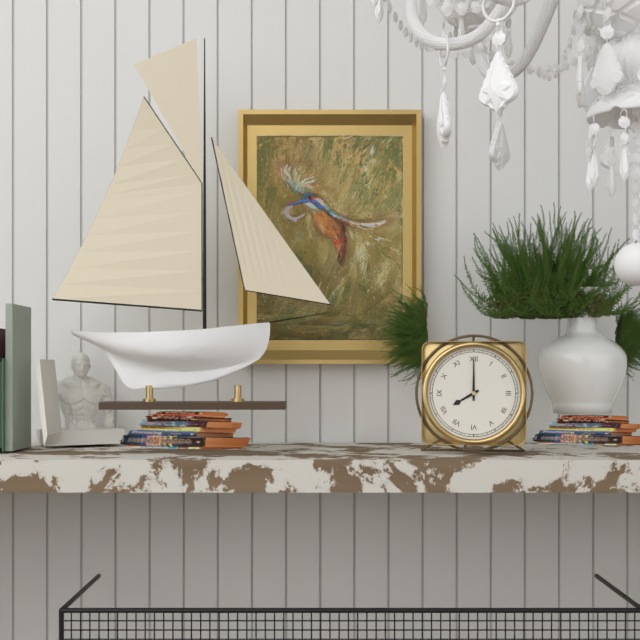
8:00
